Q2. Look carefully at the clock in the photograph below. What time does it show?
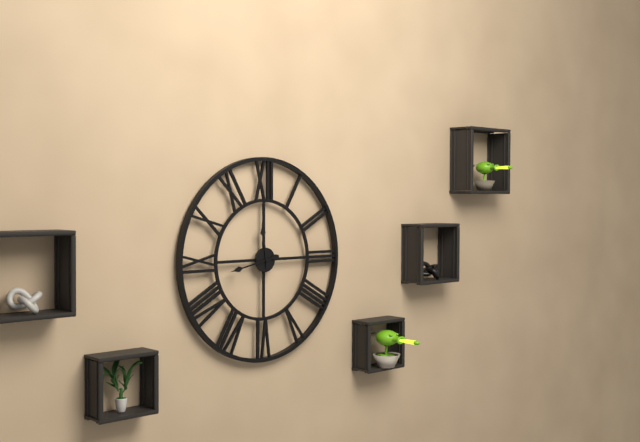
11:43
